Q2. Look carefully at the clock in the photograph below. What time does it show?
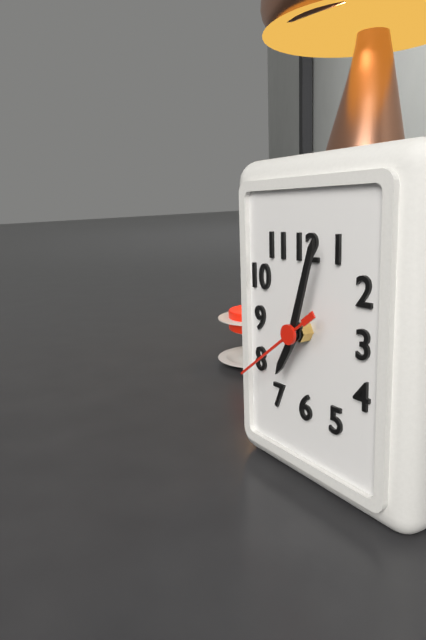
7:03:39
